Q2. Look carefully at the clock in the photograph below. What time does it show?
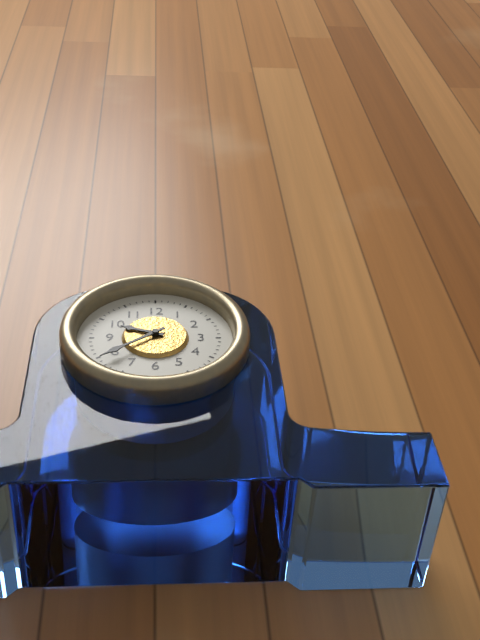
9:39
